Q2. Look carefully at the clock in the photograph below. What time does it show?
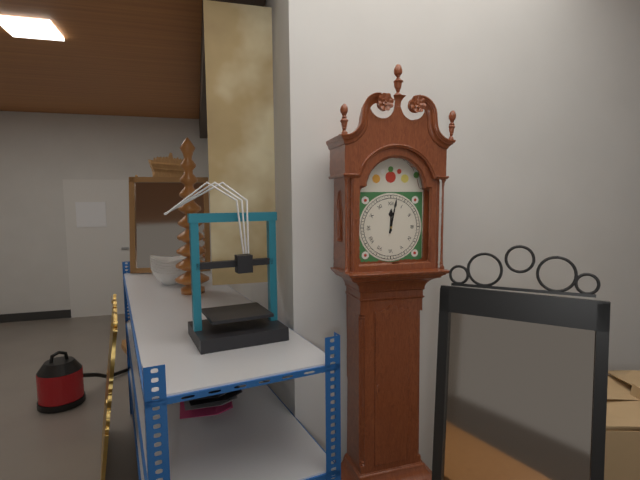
12:02
